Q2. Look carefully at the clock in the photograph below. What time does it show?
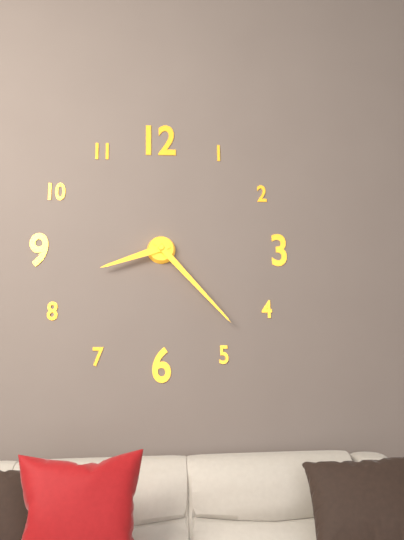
8:23
